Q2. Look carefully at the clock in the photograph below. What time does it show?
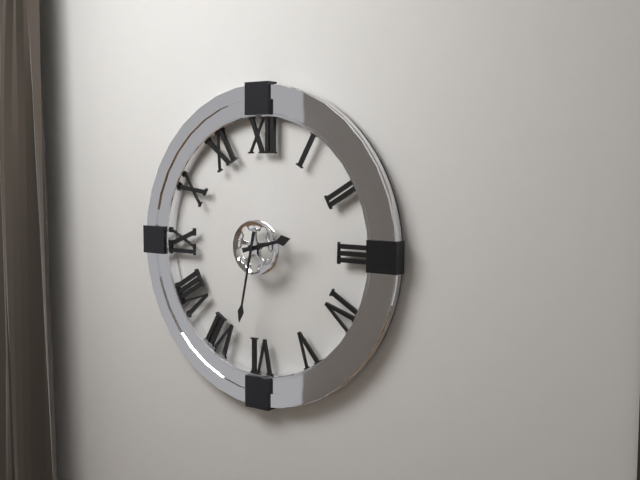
2:32
